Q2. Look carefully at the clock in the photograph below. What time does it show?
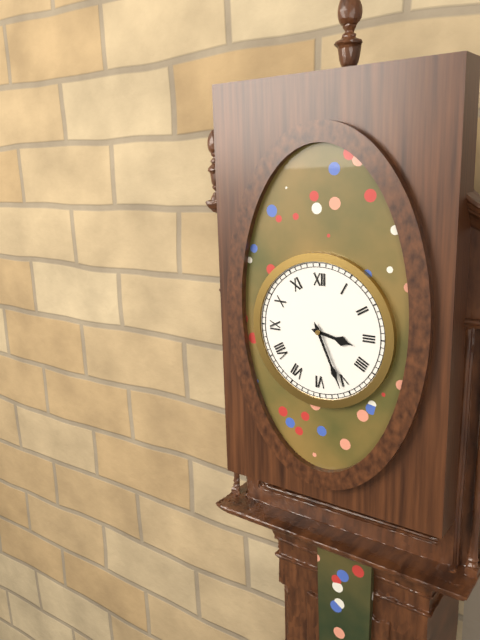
3:26
